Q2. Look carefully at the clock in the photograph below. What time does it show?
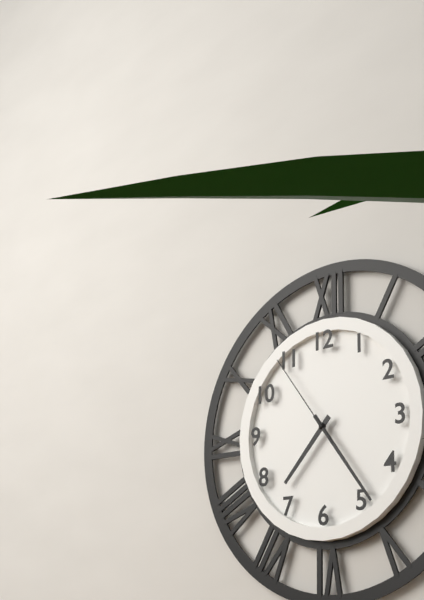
7:24:54
